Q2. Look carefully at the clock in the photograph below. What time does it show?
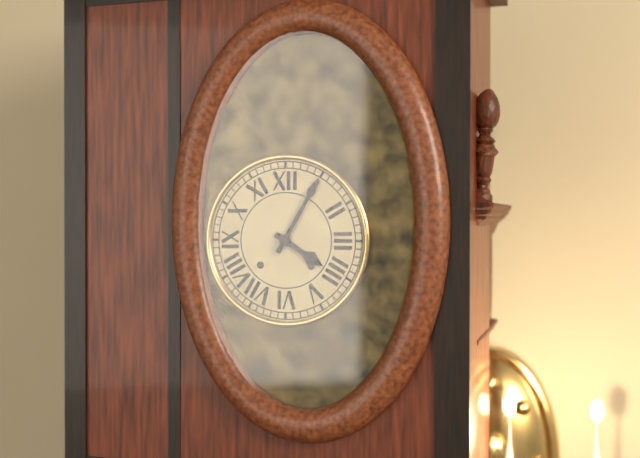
4:05
